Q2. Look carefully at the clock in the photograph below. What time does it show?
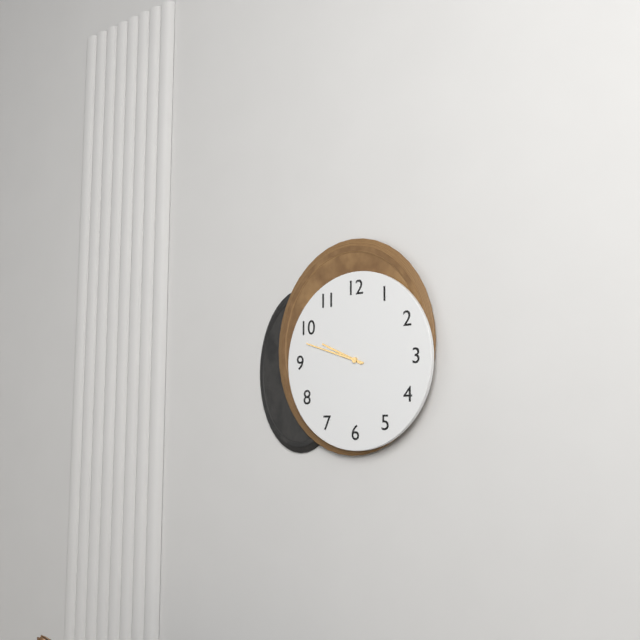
9:48
